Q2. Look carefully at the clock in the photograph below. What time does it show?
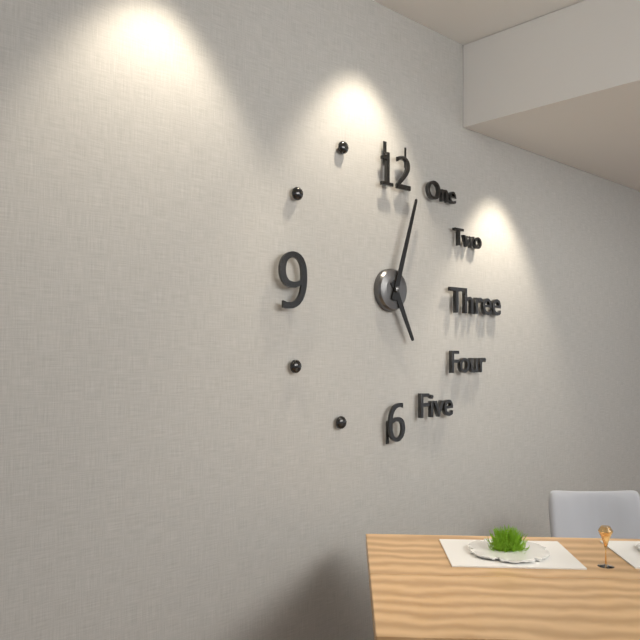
5:03
